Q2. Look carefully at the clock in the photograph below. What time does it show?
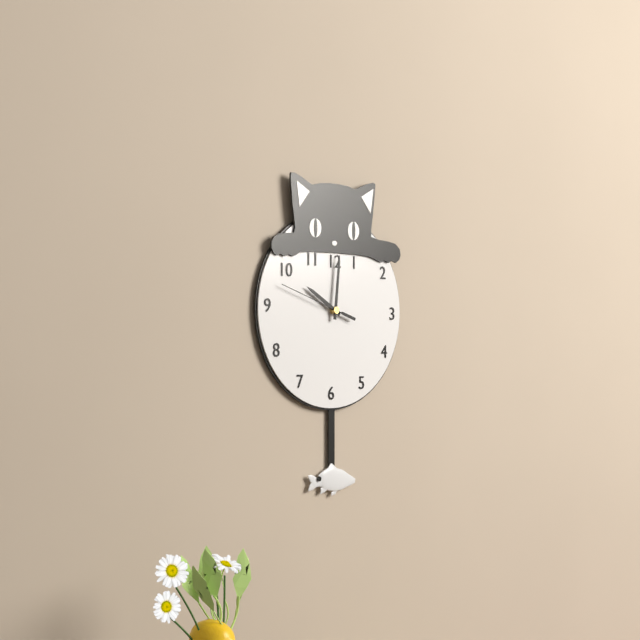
10:01:48
